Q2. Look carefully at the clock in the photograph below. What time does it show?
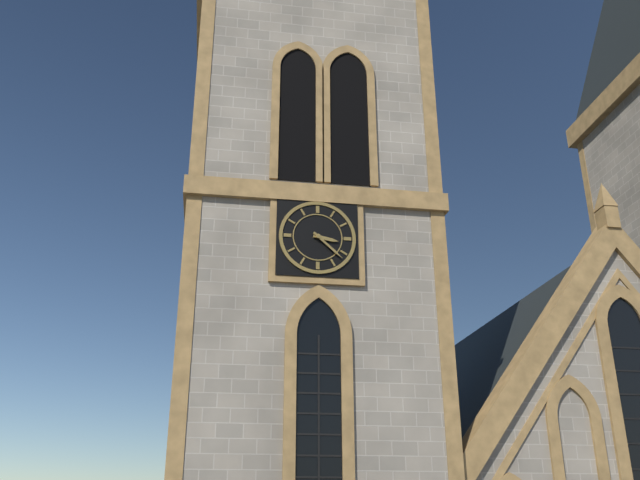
3:22
